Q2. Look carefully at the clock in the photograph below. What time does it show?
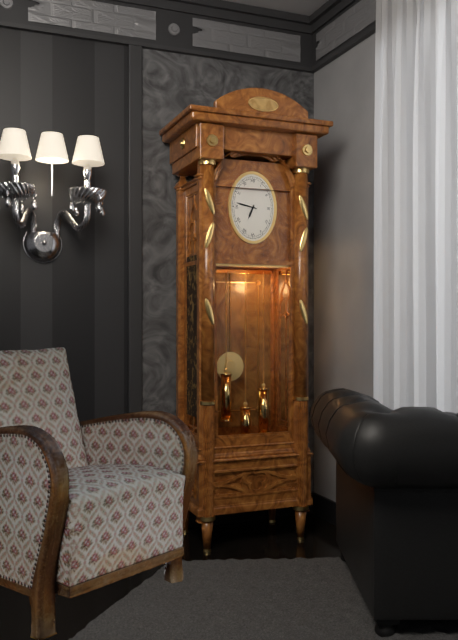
6:47
